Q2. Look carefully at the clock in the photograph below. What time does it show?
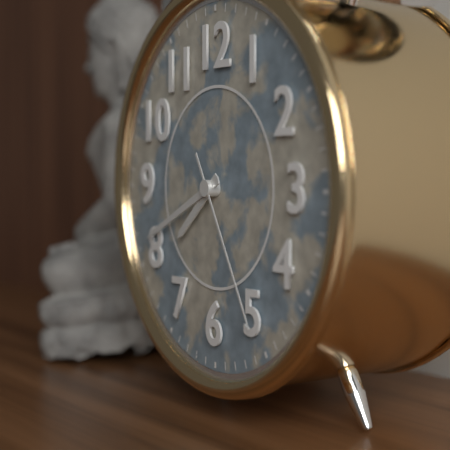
7:41:25
